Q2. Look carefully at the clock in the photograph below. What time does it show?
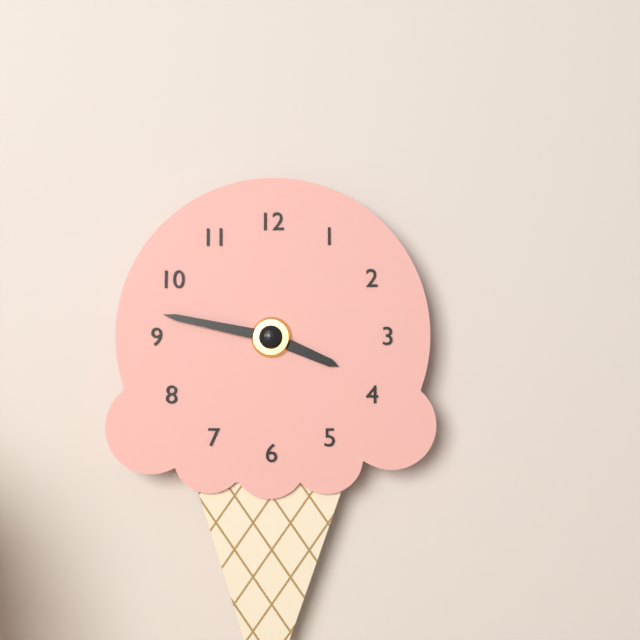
3:47
